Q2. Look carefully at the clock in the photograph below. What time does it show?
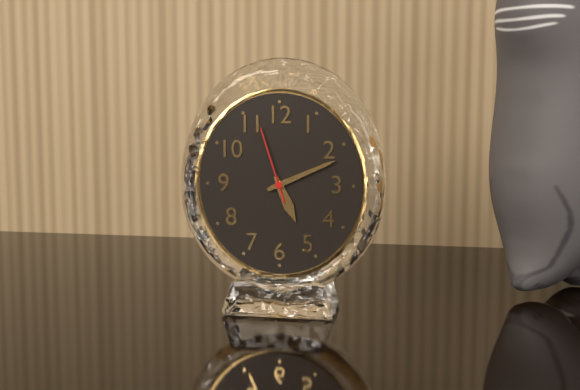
5:11:57
